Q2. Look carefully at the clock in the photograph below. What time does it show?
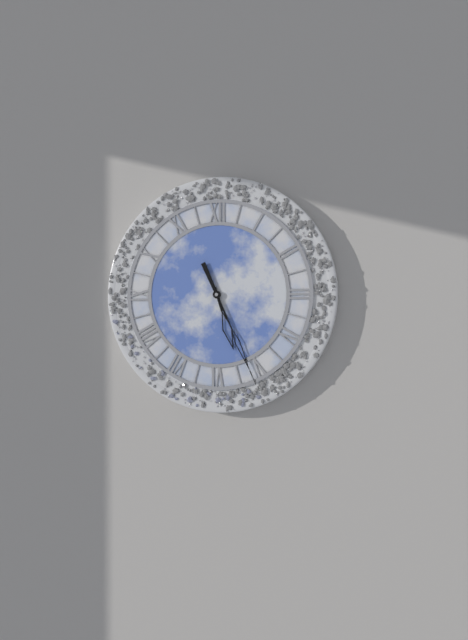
5:26
